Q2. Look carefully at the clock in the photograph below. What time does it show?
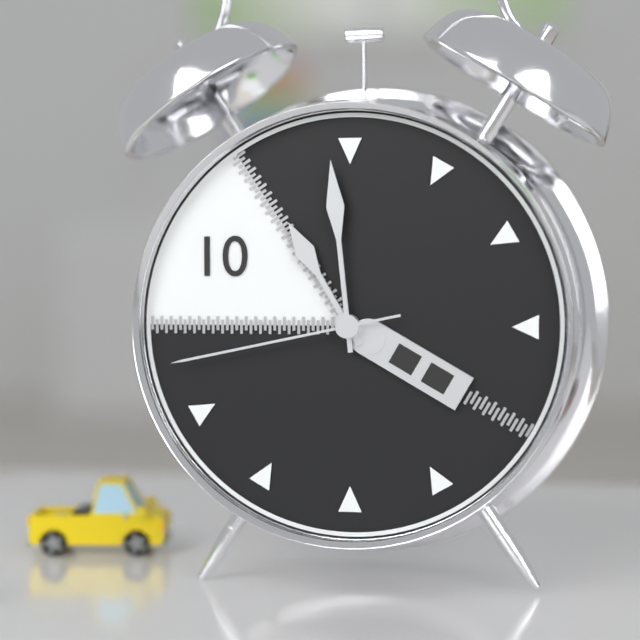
10:59:43
